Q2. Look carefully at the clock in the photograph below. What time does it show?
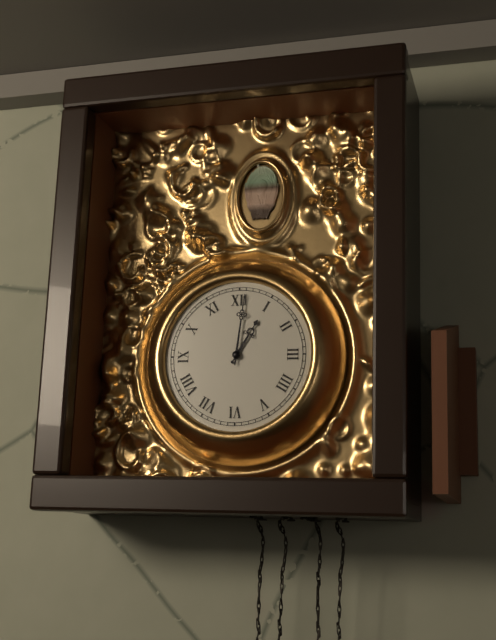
1:01
